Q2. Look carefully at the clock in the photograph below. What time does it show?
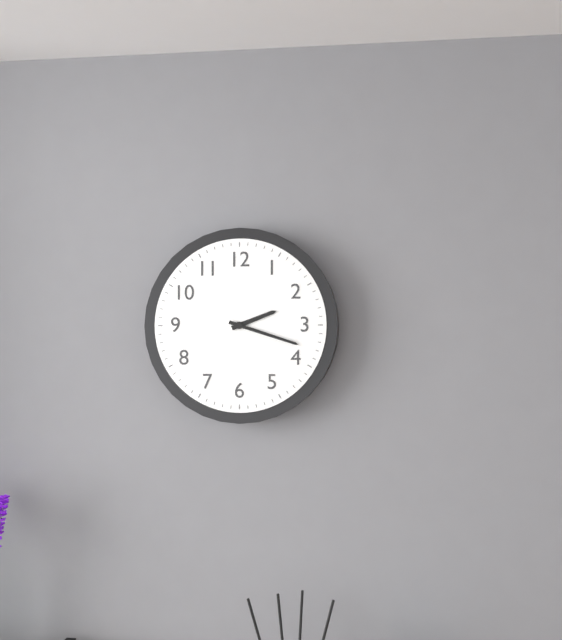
2:18
